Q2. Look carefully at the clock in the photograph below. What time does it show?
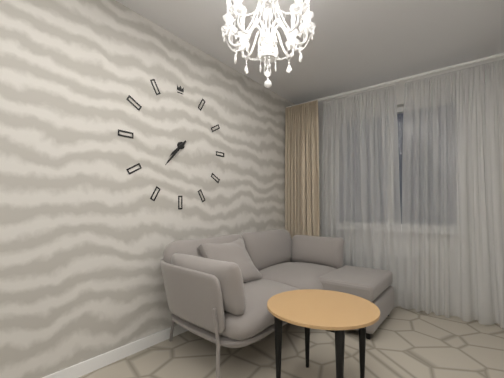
7:37
